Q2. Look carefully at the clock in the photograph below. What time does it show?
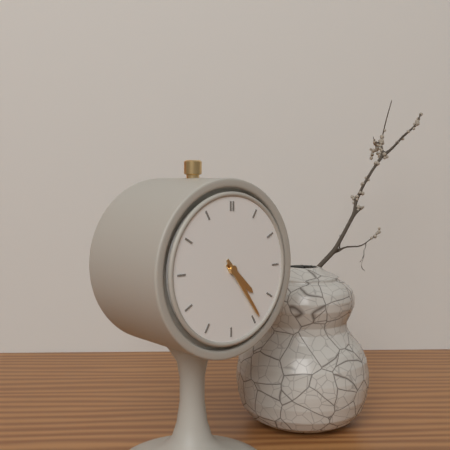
4:24
